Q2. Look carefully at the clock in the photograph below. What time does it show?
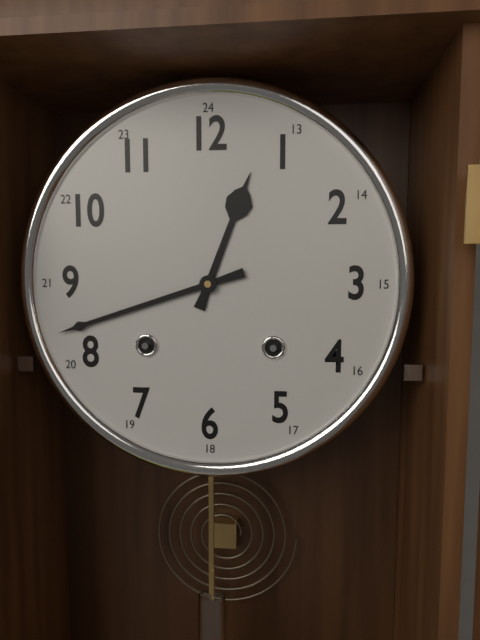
12:42
